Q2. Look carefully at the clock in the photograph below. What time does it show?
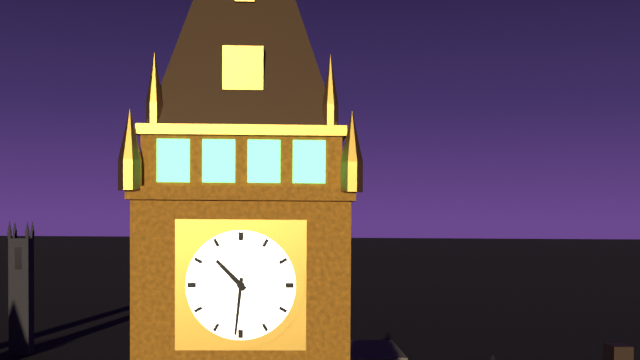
10:31
